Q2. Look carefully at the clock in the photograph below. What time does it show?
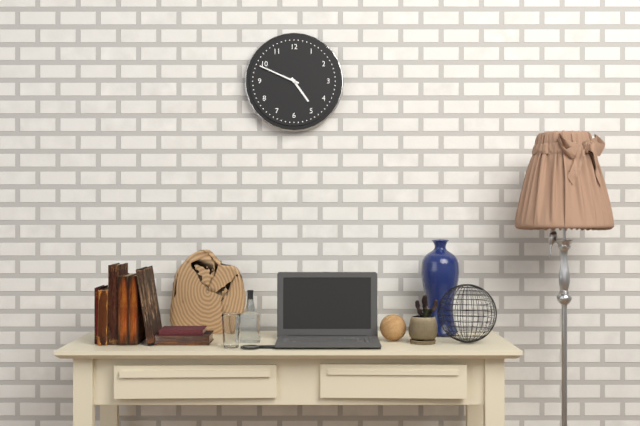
4:49
